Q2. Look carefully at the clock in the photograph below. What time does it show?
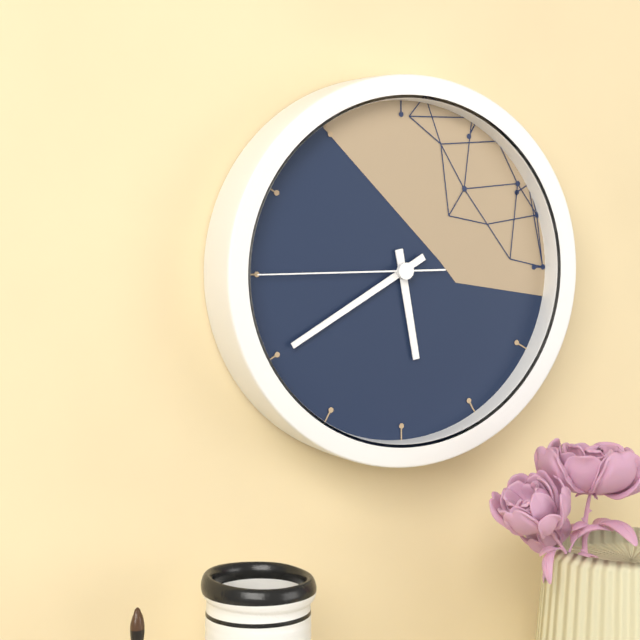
5:40:45
